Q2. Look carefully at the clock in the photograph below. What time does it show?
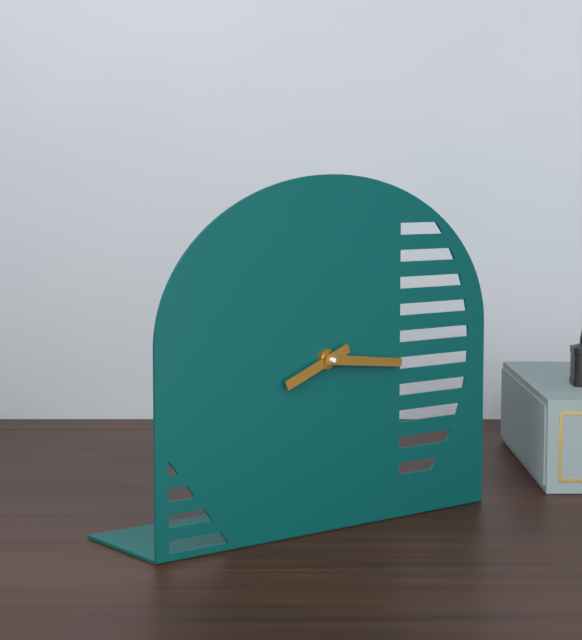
8:16
